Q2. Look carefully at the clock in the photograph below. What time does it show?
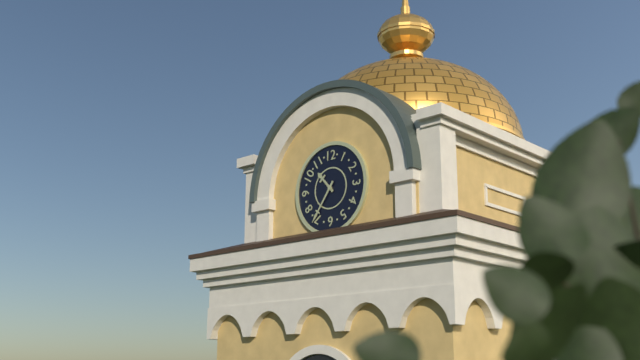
10:36
